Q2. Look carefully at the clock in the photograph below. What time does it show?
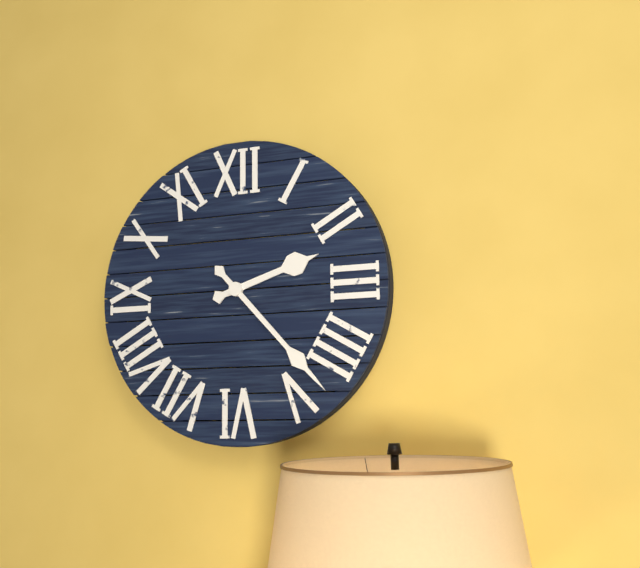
2:23
